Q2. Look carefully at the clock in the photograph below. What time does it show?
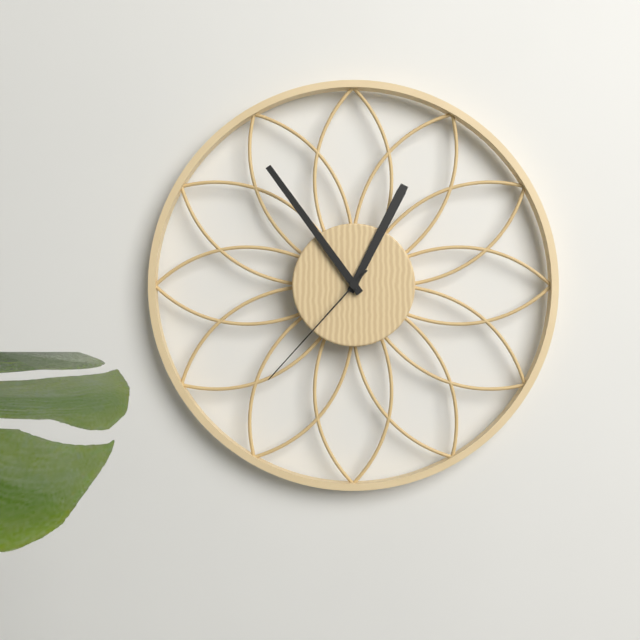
12:54:37
